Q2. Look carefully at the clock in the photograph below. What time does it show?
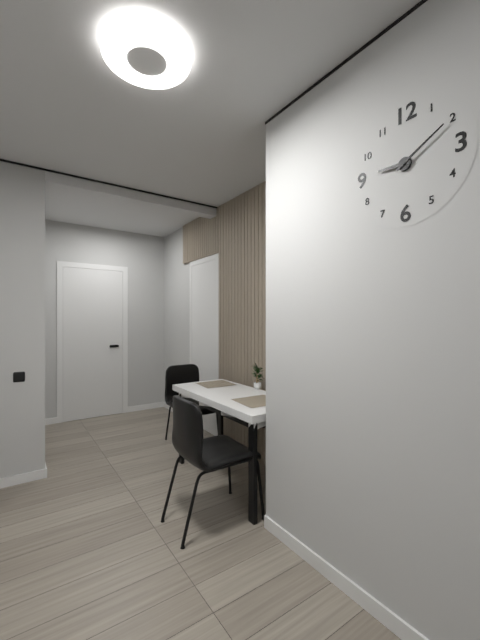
9:10
